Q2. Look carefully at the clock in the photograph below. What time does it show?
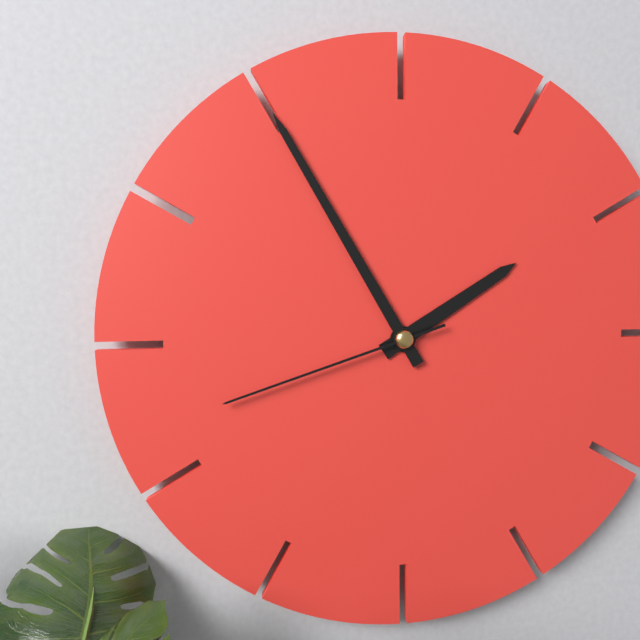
1:55:42
